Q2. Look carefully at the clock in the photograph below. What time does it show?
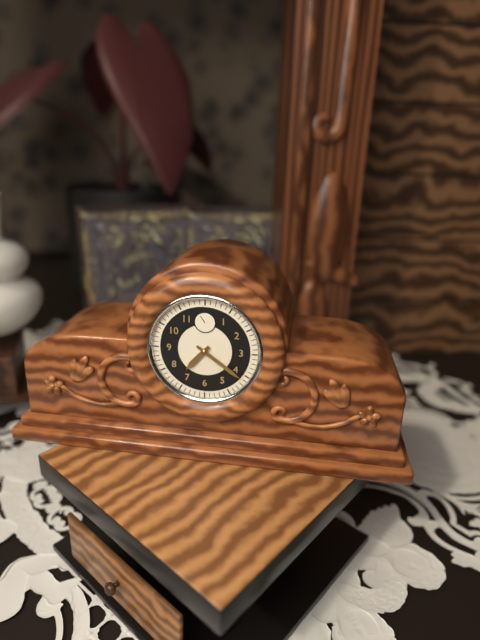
7:21
